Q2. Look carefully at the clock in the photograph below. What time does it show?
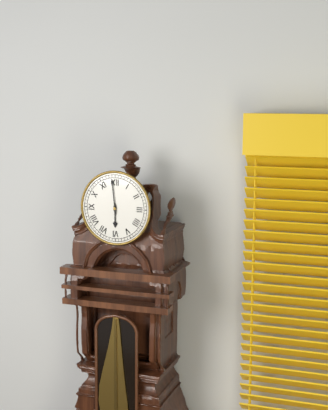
5:59
